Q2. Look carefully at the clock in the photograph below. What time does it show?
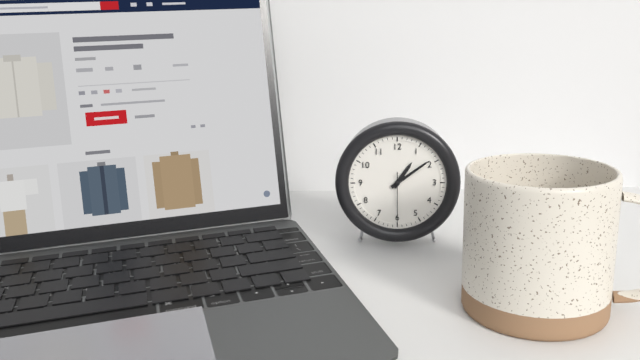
1:09
